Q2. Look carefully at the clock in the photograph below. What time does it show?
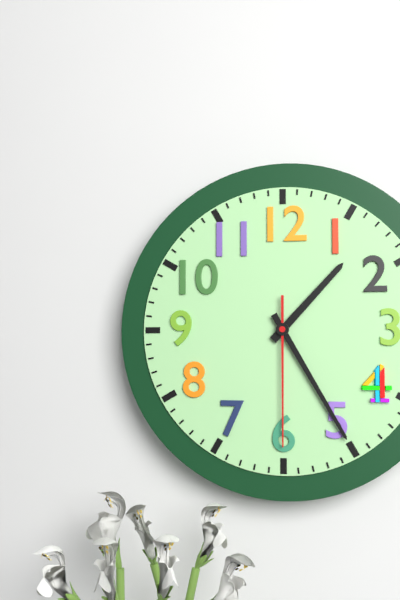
1:25:30
